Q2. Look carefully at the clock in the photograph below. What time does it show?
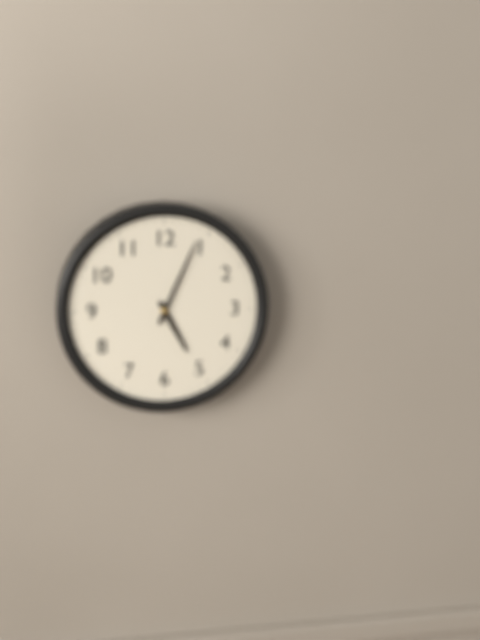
5:04
